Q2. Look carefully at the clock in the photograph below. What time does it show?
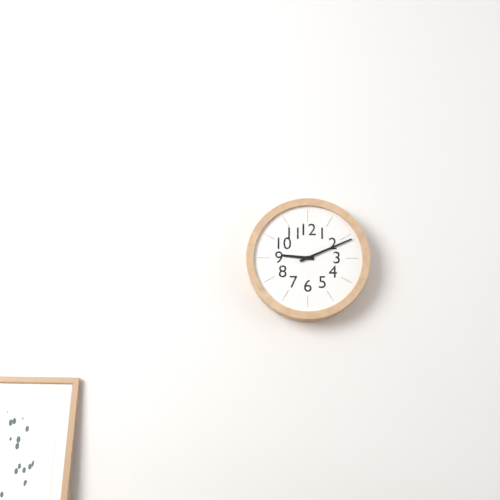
9:11
